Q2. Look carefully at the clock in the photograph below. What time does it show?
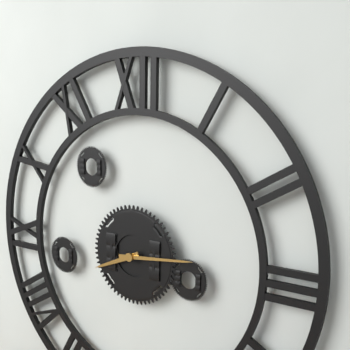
8:14
